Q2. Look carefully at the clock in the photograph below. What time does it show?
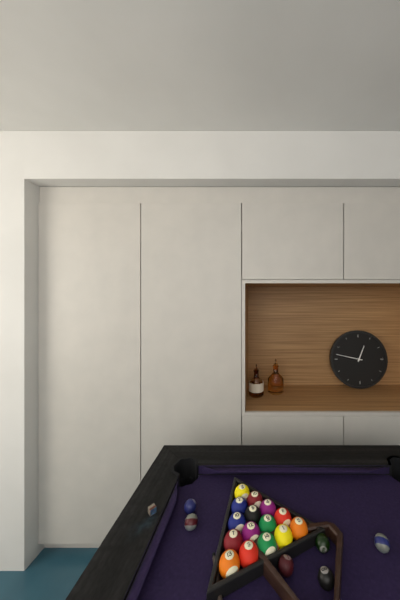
12:47
